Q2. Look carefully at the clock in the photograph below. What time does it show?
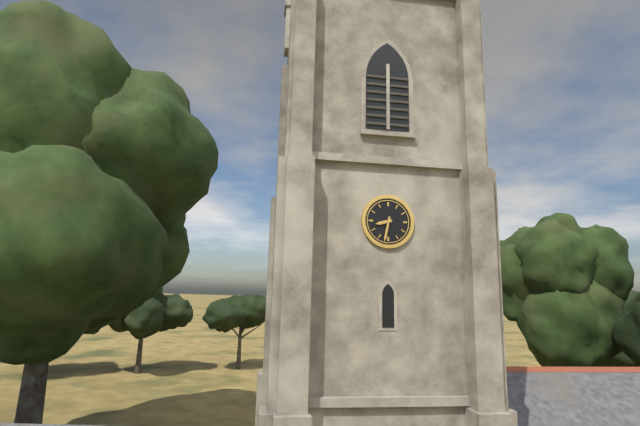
8:32
